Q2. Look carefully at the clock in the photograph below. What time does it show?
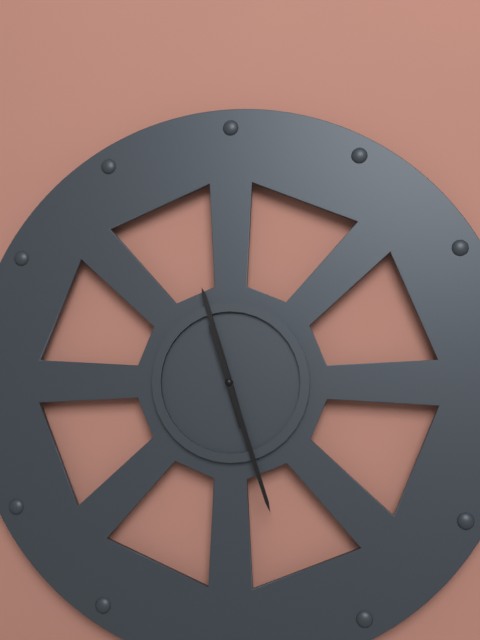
11:27
